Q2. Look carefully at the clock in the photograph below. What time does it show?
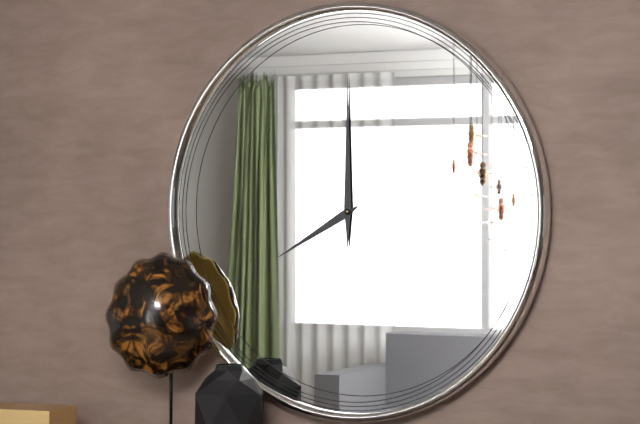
8:00
